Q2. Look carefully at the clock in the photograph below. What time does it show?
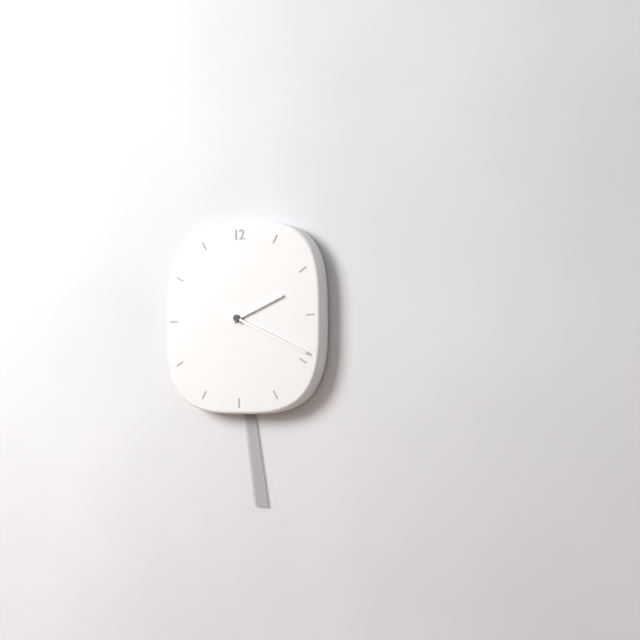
2:19
